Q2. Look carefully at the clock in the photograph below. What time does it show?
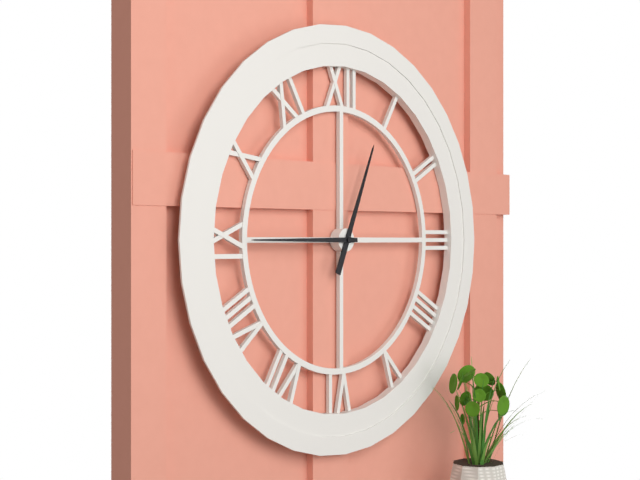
12:45
